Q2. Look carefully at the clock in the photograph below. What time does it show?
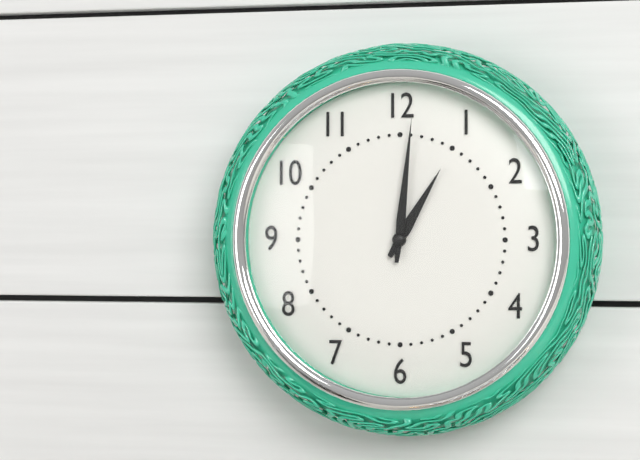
1:01
